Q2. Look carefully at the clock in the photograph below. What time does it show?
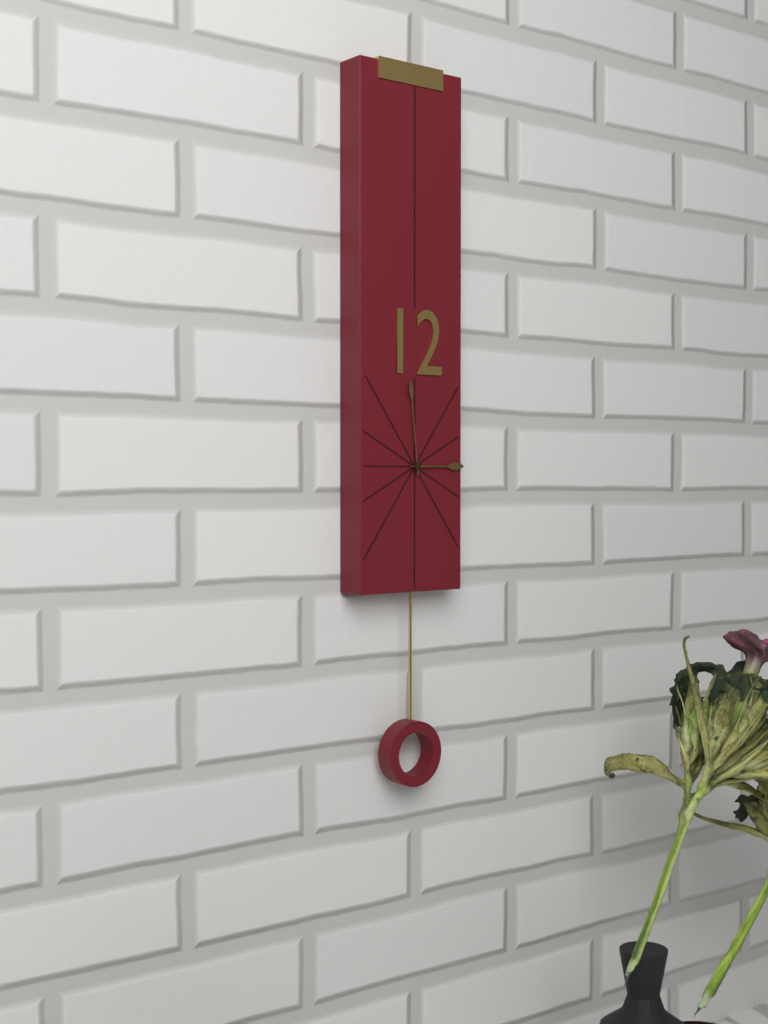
2:59
